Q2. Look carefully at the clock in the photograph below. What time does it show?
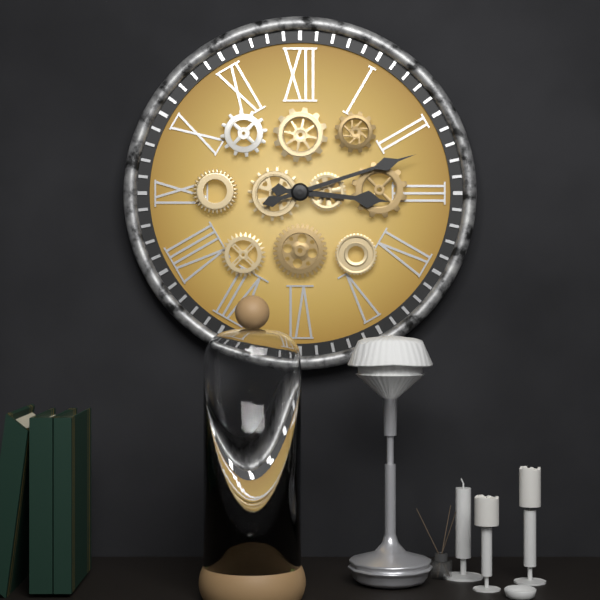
3:12
